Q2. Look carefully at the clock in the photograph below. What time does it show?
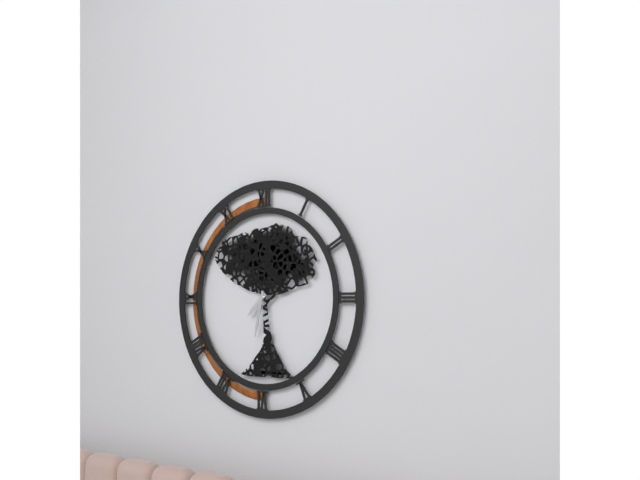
7:32
